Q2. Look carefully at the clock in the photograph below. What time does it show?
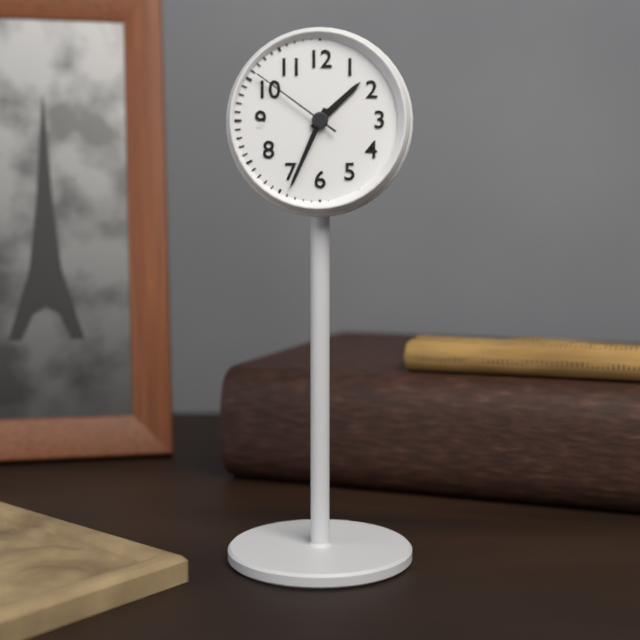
1:34:51
